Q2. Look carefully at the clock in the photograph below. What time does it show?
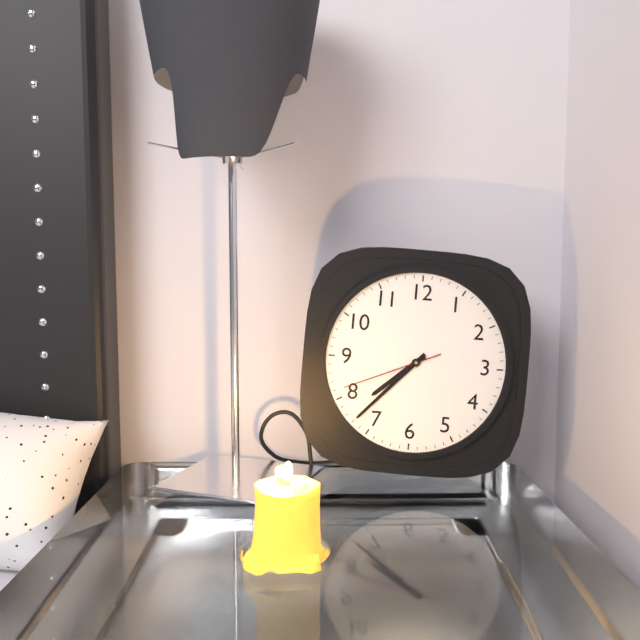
7:37:41
